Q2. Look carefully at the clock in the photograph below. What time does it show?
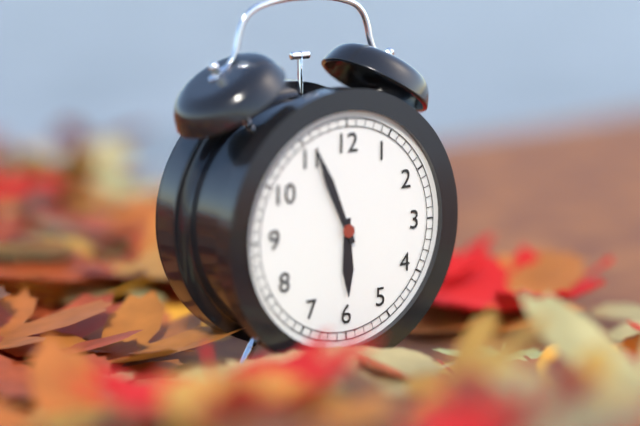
5:56
